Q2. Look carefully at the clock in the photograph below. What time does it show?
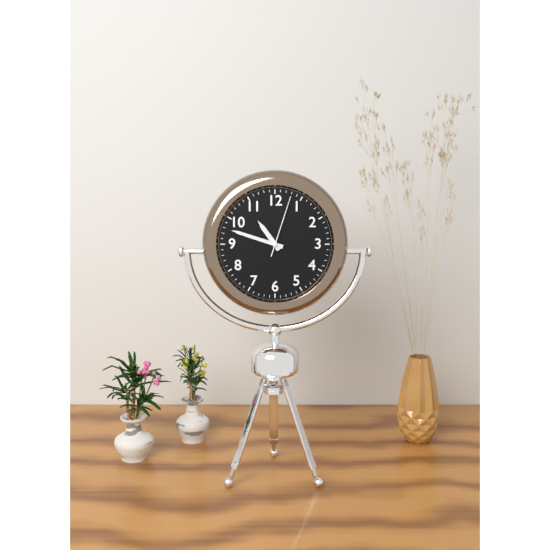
10:48:03
